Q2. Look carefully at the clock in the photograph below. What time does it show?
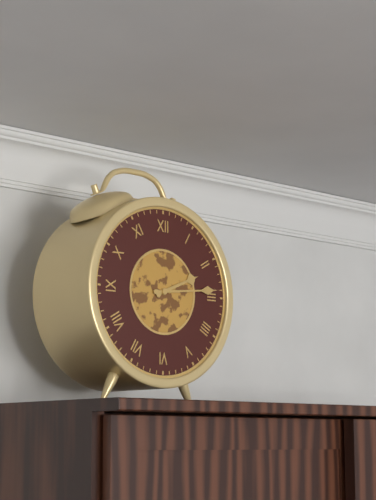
2:14
